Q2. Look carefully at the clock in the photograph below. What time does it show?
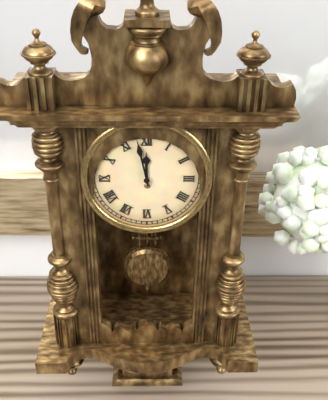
11:58
